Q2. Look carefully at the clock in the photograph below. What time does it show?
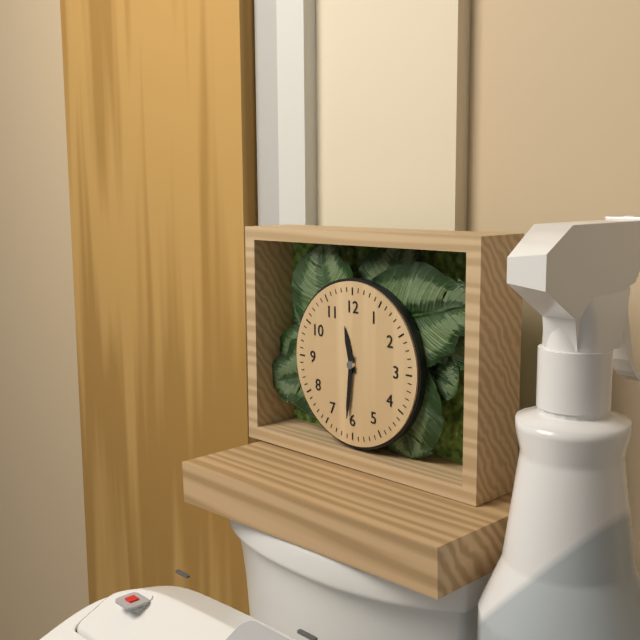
11:31
